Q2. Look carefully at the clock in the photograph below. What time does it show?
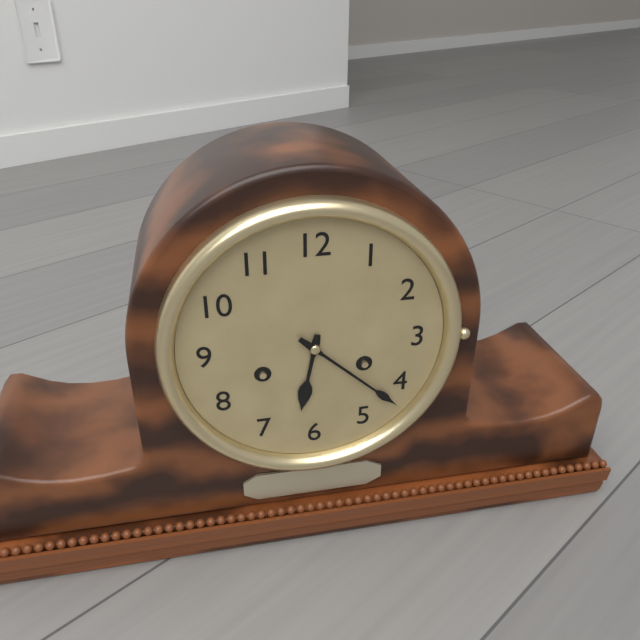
6:22
